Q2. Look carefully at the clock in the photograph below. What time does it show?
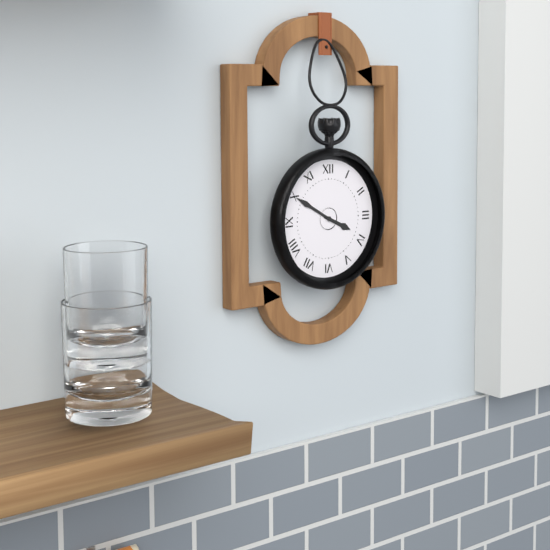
3:50
